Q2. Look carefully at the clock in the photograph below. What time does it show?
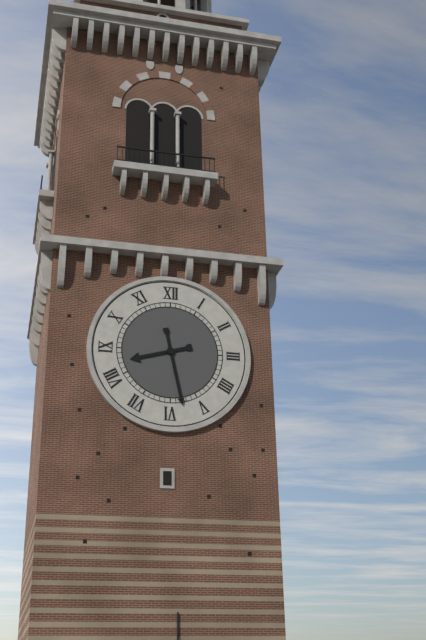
8:28
